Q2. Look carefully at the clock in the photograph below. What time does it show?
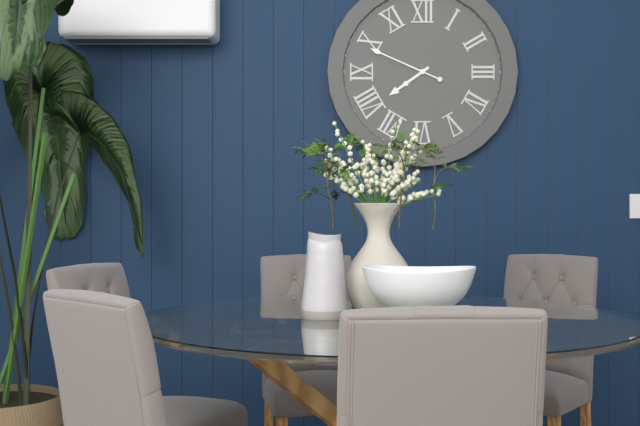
7:49
